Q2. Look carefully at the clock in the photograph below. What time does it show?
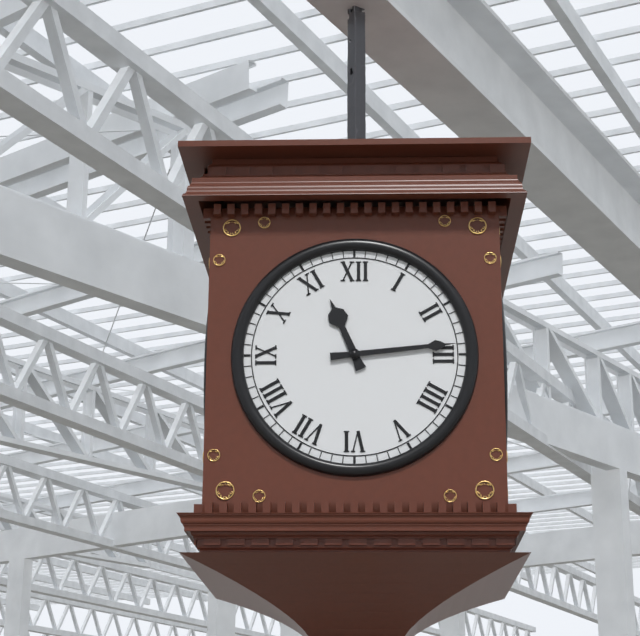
11:14
